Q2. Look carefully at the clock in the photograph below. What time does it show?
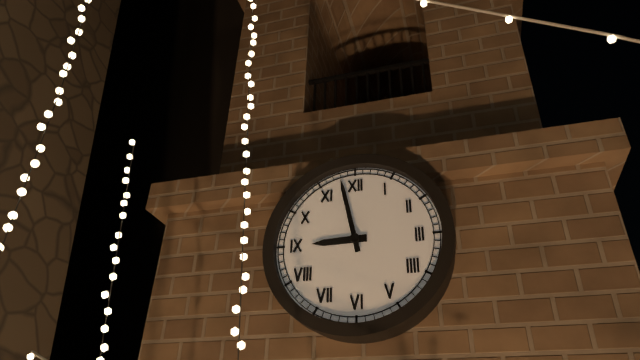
8:58
